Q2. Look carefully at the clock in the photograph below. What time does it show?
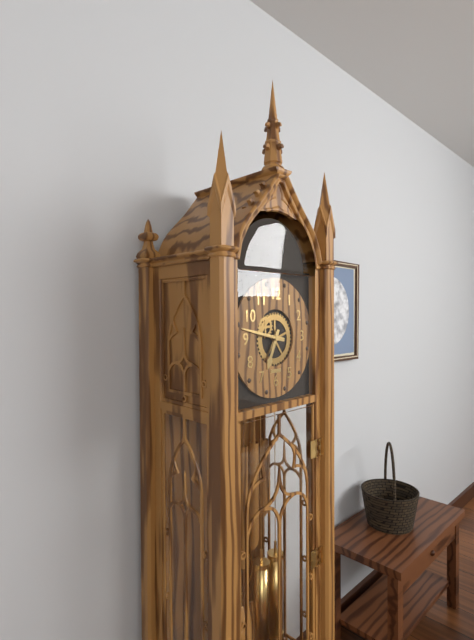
6:47
